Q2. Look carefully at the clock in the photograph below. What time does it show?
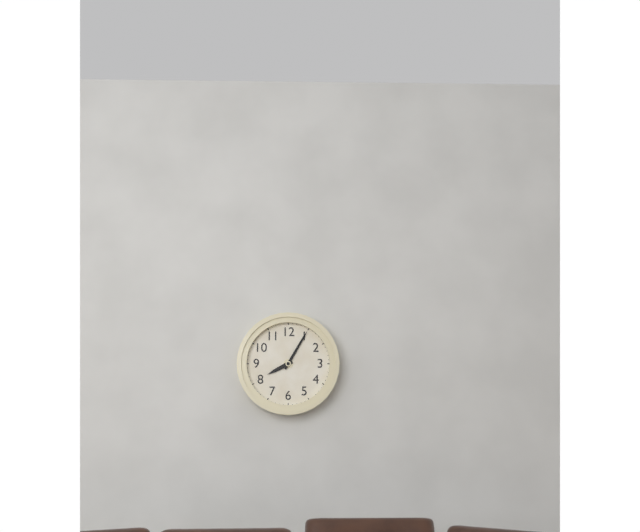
8:05
